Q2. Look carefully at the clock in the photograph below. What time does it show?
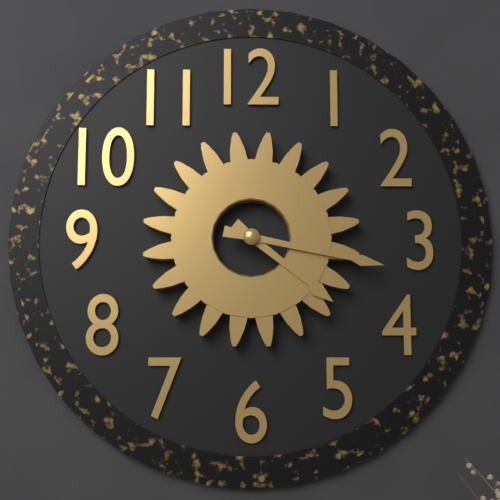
4:17
